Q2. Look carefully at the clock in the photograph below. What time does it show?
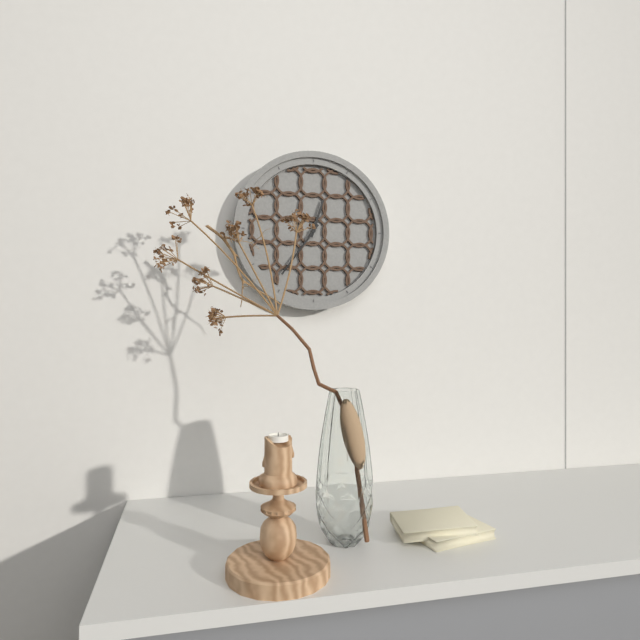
12:36
